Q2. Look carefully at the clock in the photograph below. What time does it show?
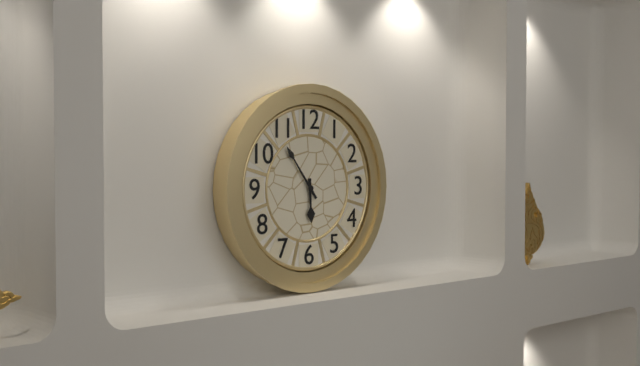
5:54
